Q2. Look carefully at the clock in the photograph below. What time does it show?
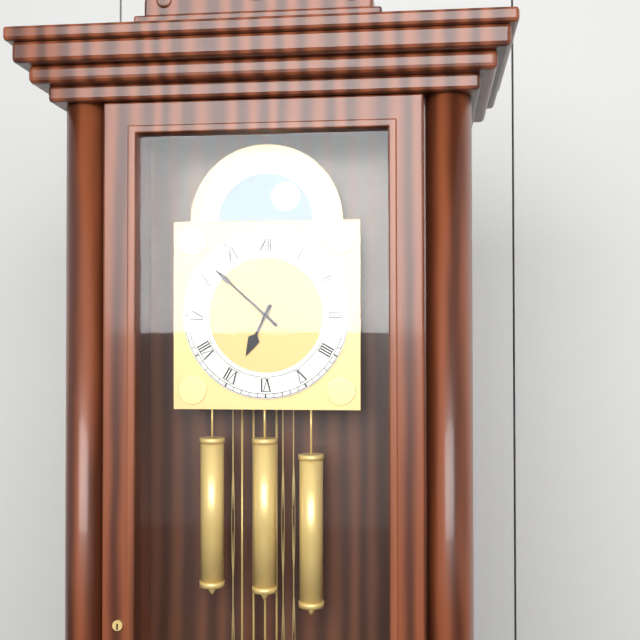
6:52
